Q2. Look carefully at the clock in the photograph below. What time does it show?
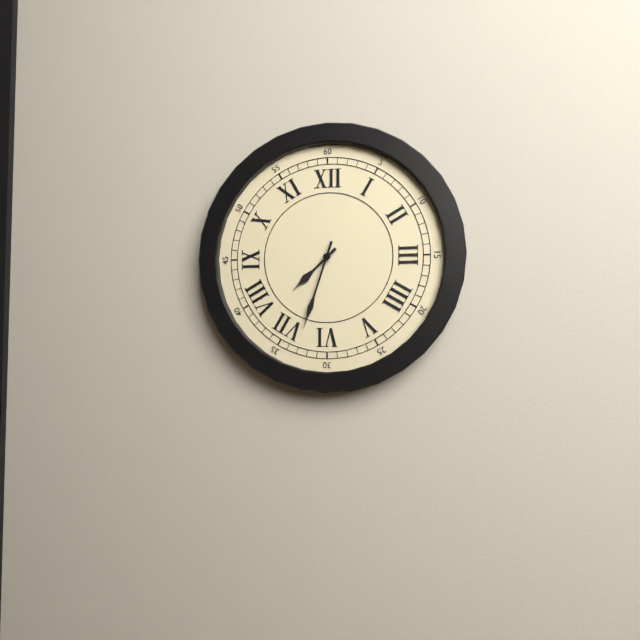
7:33
